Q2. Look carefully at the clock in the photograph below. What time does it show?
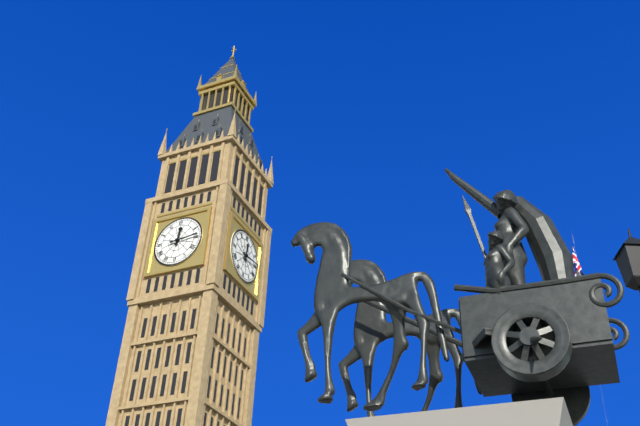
12:14
